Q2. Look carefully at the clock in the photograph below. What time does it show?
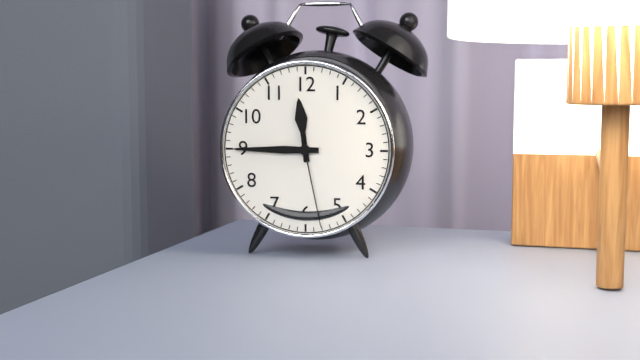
11:45:28
